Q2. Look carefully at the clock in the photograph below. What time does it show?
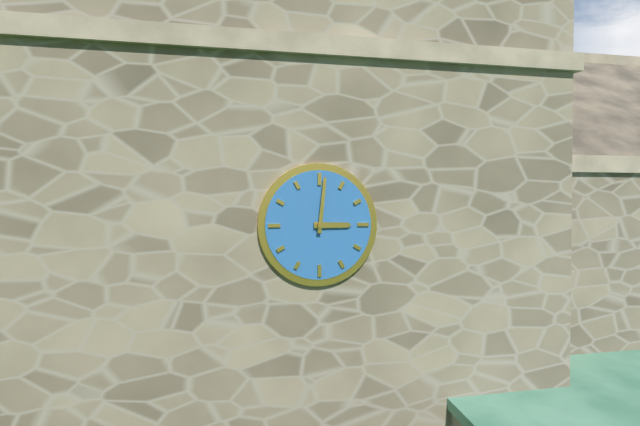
3:01
